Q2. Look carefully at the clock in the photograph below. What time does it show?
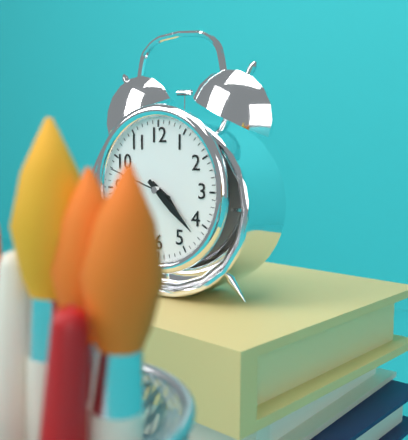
4:22:48
